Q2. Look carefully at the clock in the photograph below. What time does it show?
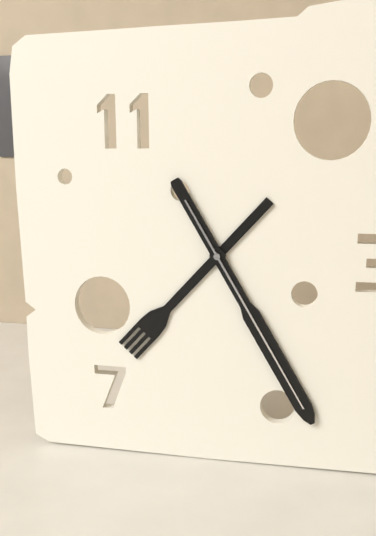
7:25:25
